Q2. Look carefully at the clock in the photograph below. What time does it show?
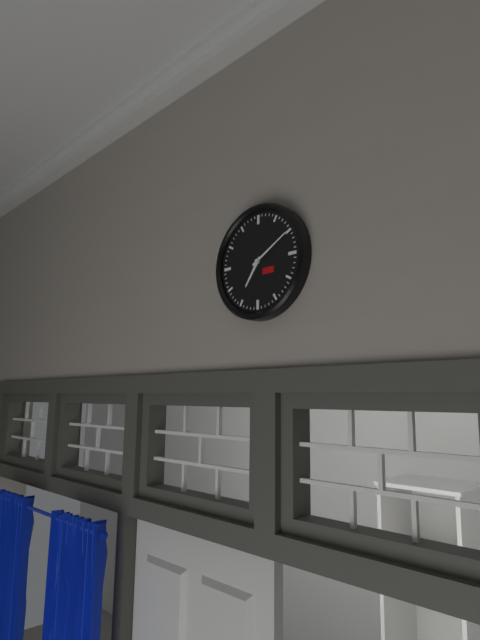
7:10
